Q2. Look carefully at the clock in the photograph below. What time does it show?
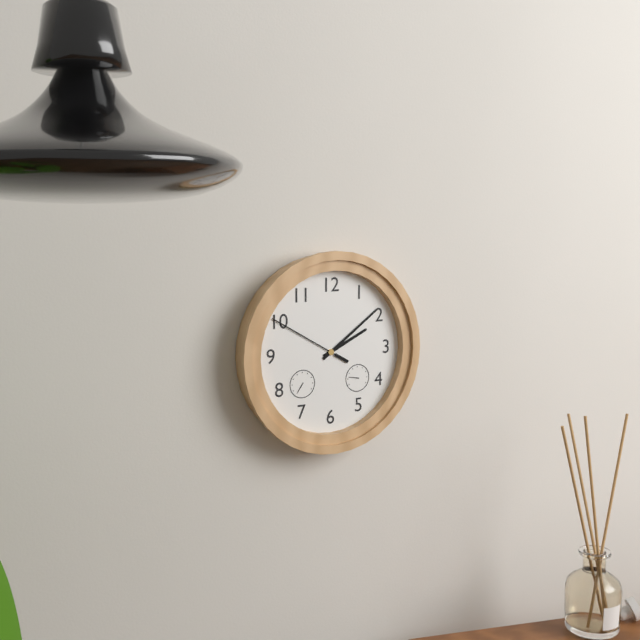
2:09:50
